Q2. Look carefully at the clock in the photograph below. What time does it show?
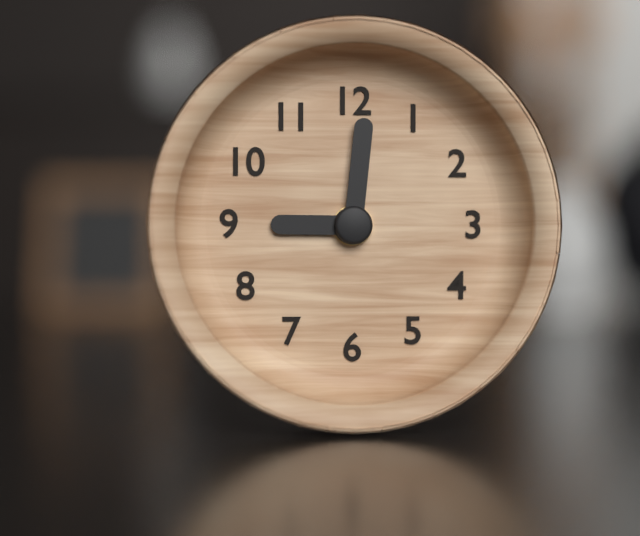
9:01
